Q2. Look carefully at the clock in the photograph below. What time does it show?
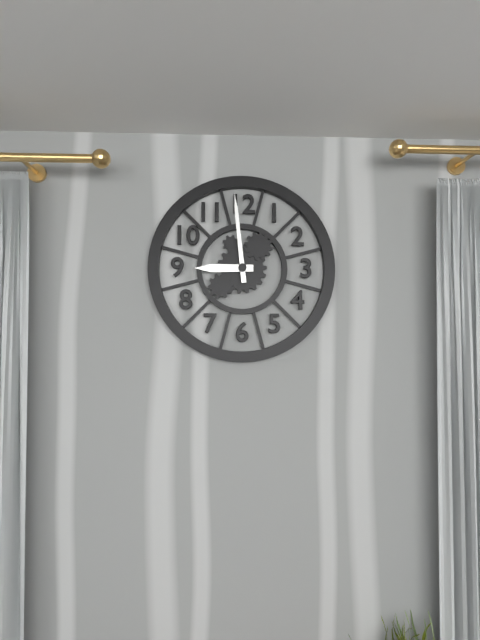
8:59
